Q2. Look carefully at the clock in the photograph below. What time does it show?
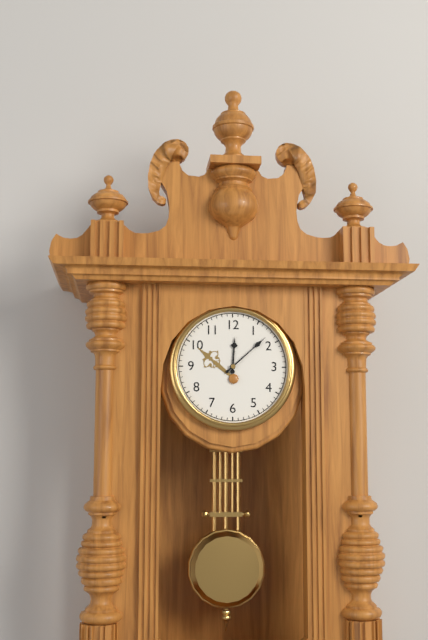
12:08
